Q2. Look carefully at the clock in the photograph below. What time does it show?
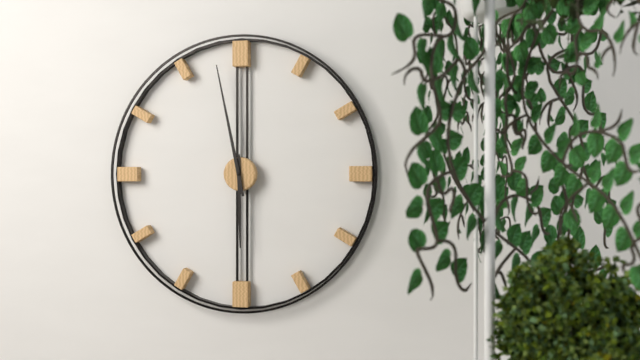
5:58
